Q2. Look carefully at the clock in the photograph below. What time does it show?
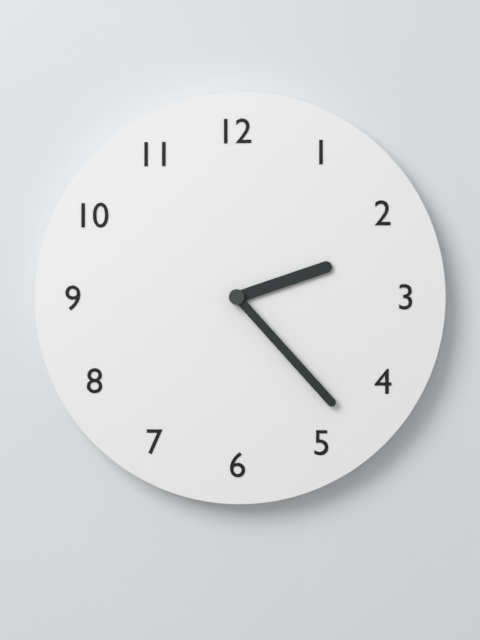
2:23
